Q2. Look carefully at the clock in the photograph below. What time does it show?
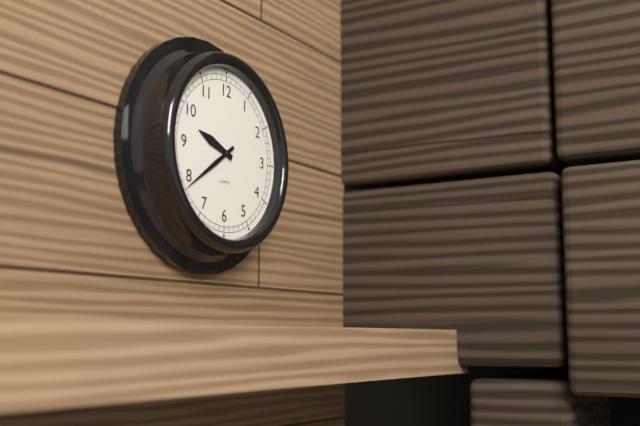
9:39
